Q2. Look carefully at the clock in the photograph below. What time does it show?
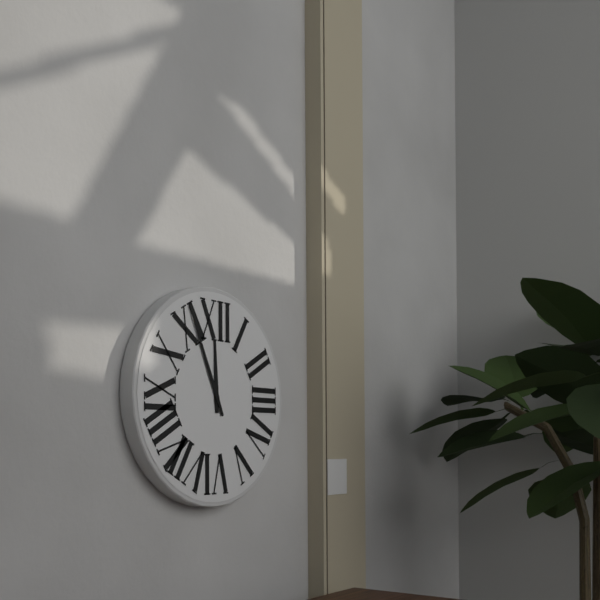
11:56
